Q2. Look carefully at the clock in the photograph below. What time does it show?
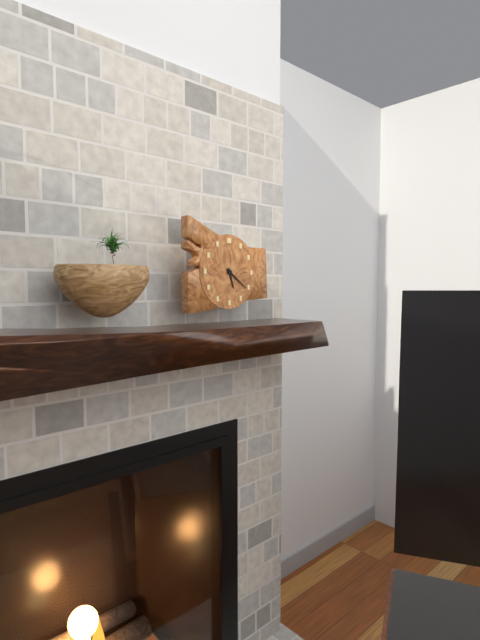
5:21
